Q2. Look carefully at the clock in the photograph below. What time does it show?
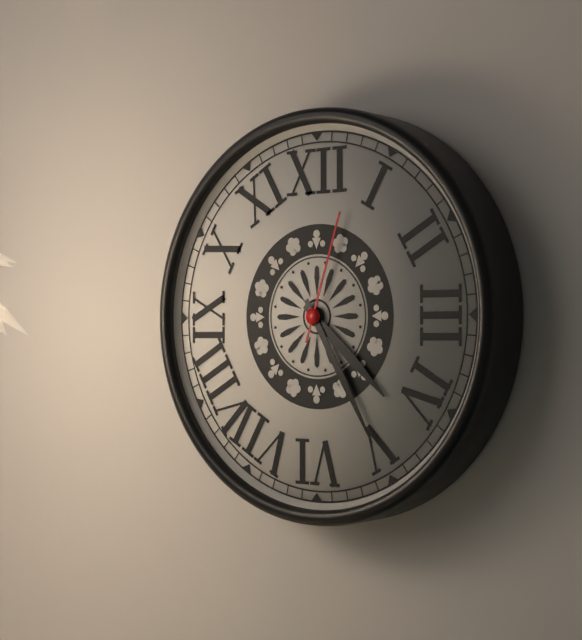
4:25:03
